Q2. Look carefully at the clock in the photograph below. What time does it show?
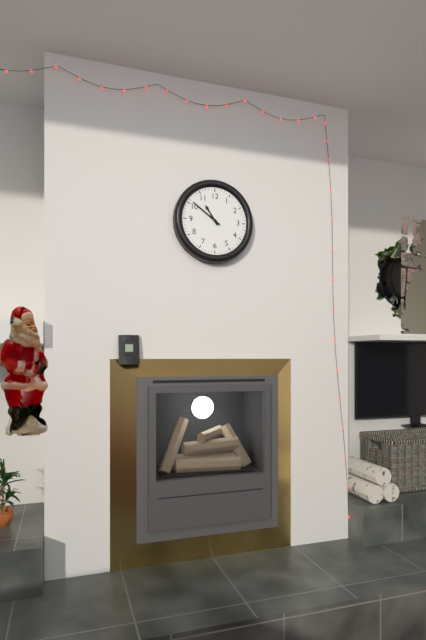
10:51
